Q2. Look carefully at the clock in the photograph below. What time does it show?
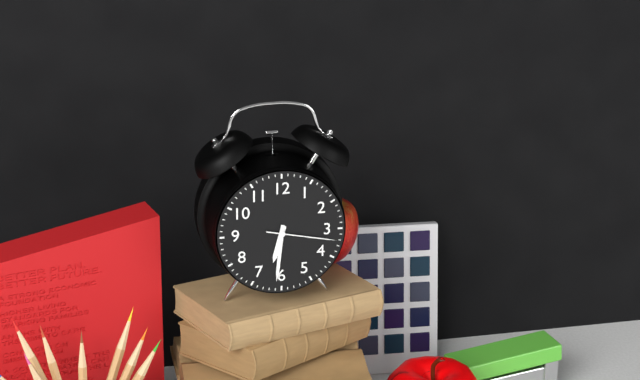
6:31:17
